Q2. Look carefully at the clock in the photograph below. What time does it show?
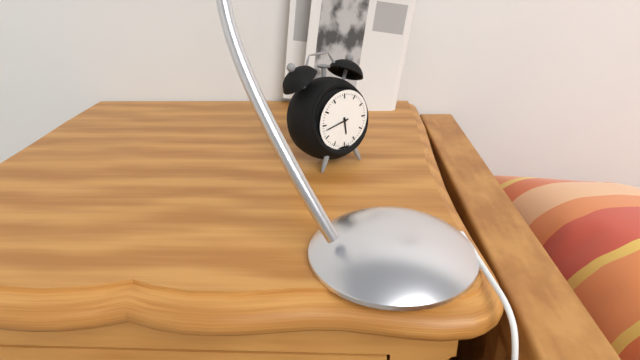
5:43
